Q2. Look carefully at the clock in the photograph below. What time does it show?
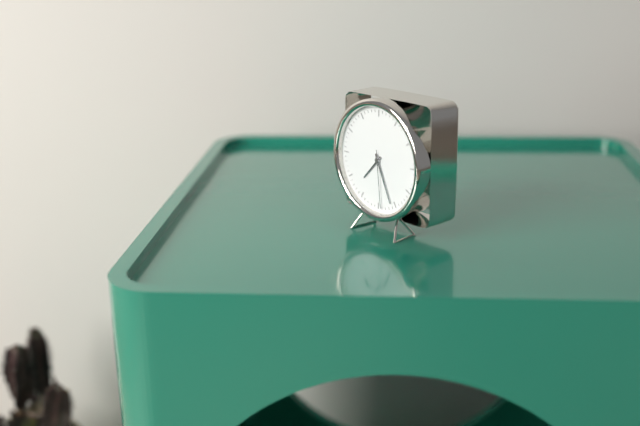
7:26:29
